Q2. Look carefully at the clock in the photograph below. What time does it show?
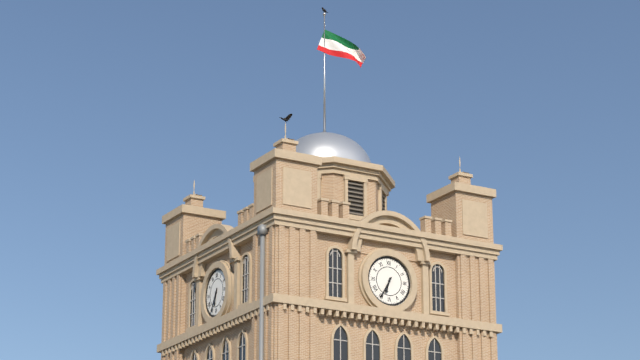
6:35
